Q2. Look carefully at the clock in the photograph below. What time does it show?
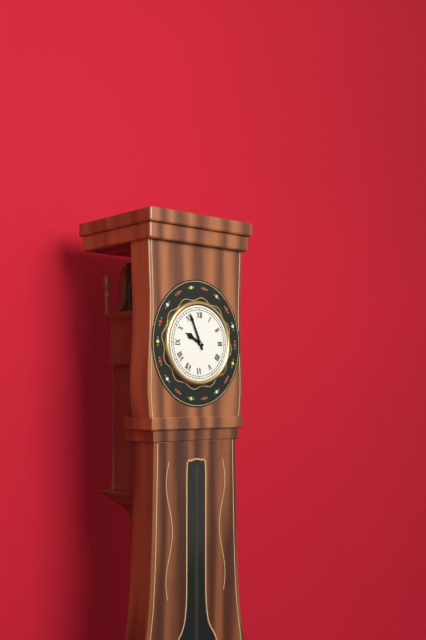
9:56
